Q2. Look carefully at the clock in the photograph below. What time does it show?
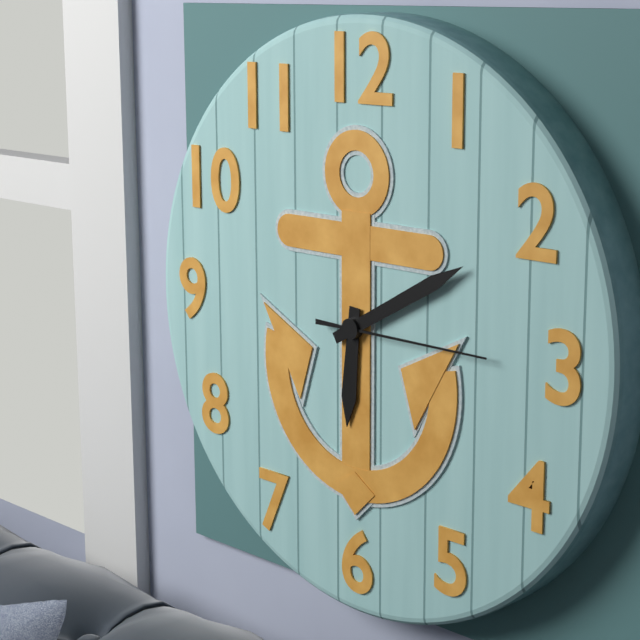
6:10:15
